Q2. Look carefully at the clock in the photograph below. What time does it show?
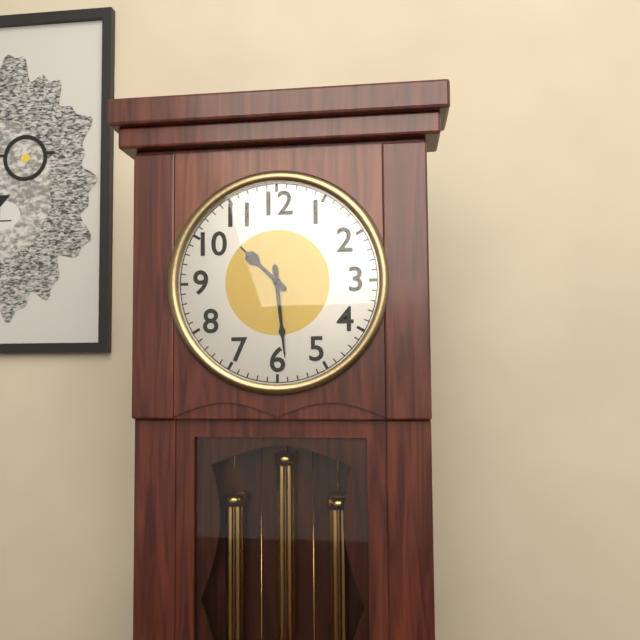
10:29
